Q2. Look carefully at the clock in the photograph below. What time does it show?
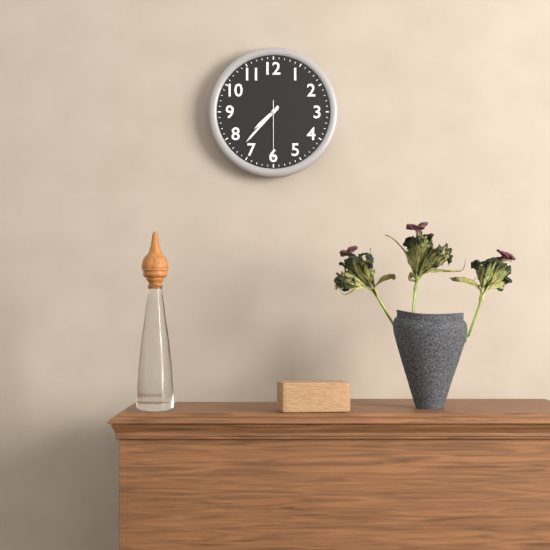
7:37:30
